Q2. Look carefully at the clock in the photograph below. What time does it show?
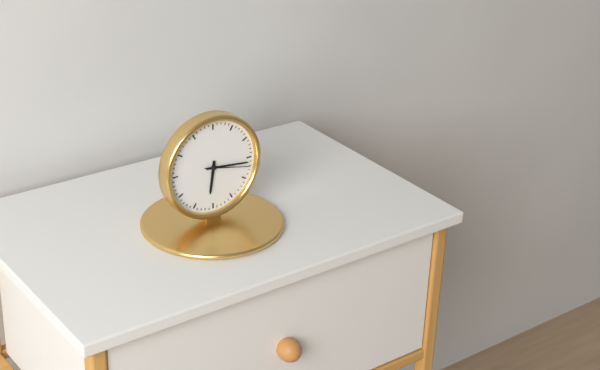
6:16
